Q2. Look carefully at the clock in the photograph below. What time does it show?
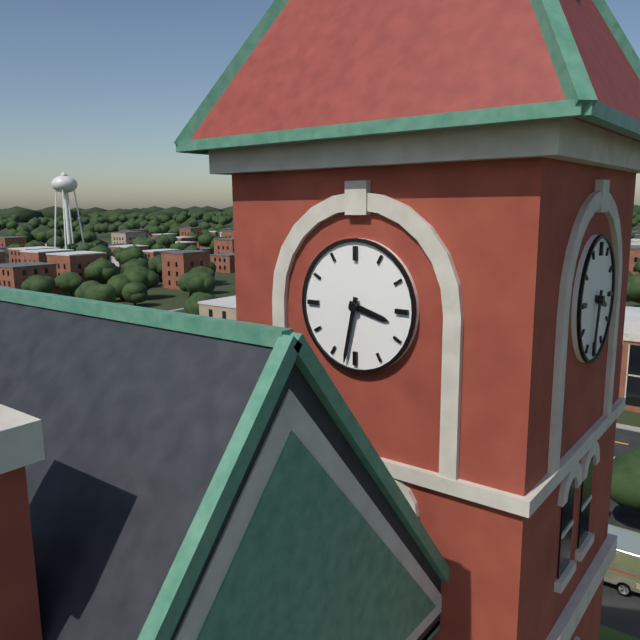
3:32
